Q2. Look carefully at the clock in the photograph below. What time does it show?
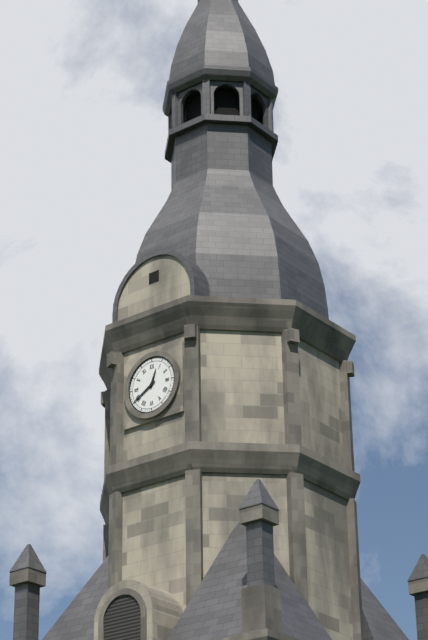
12:40
